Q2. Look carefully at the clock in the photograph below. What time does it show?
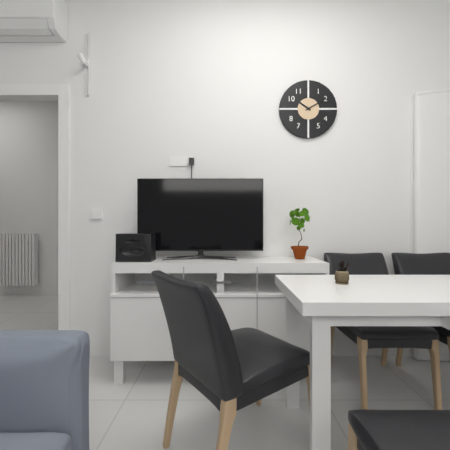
10:10
